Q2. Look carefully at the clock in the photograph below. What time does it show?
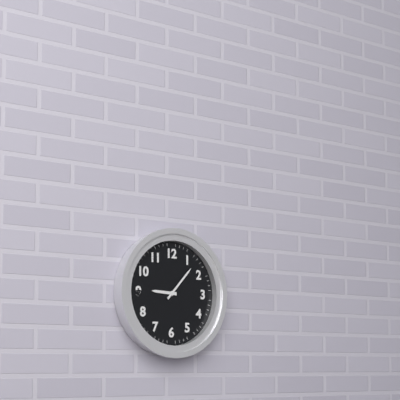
9:07
